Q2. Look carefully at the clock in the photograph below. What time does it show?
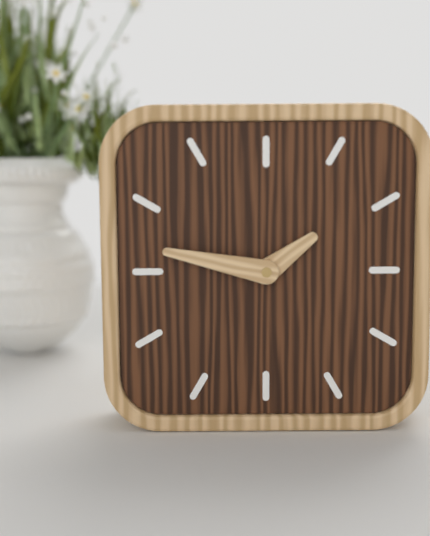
1:47
